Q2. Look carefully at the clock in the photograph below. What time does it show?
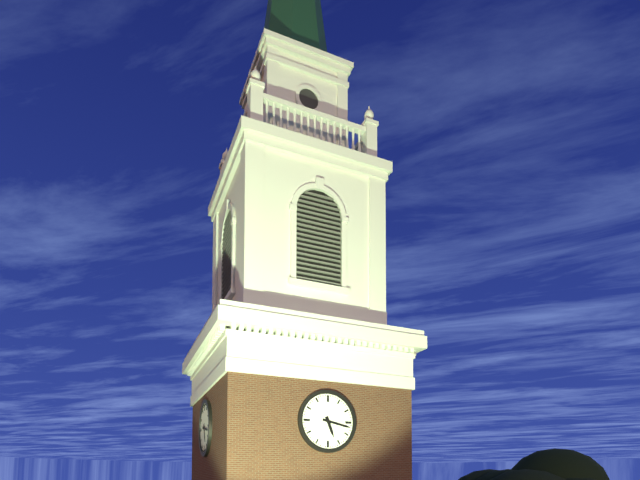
5:17
